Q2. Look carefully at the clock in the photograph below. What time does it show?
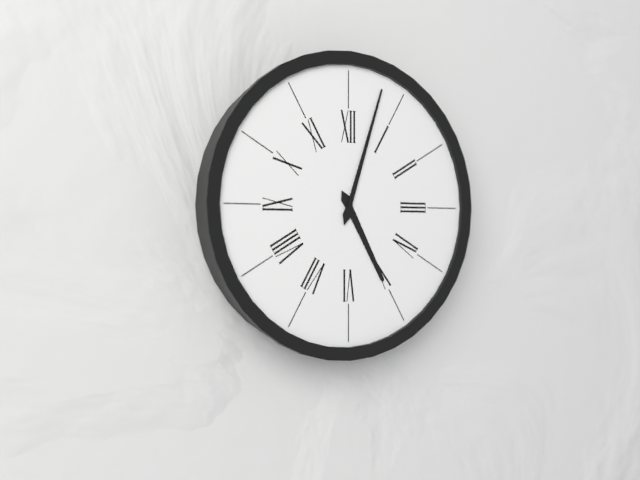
5:03
